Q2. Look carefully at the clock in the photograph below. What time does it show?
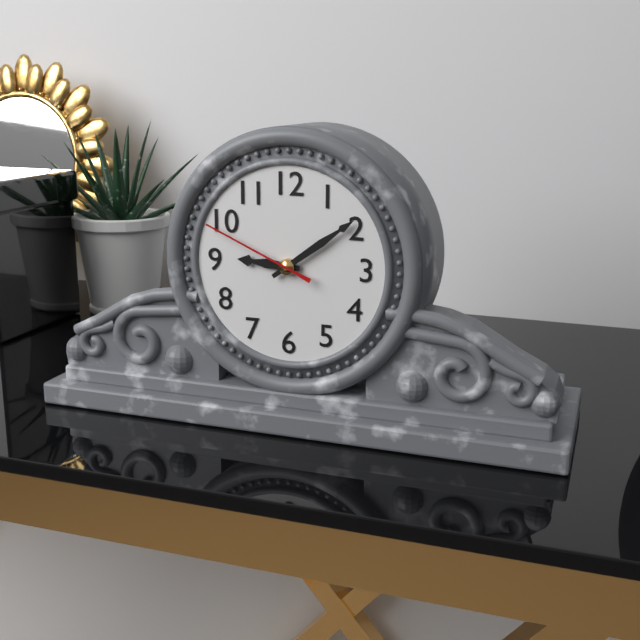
9:09:49
